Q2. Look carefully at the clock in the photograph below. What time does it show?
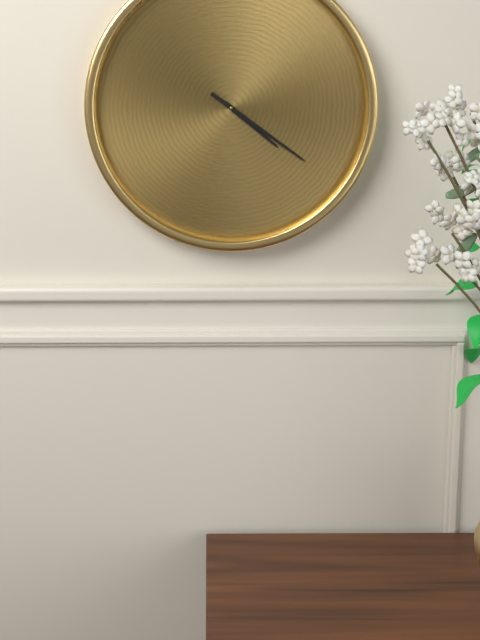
4:21
